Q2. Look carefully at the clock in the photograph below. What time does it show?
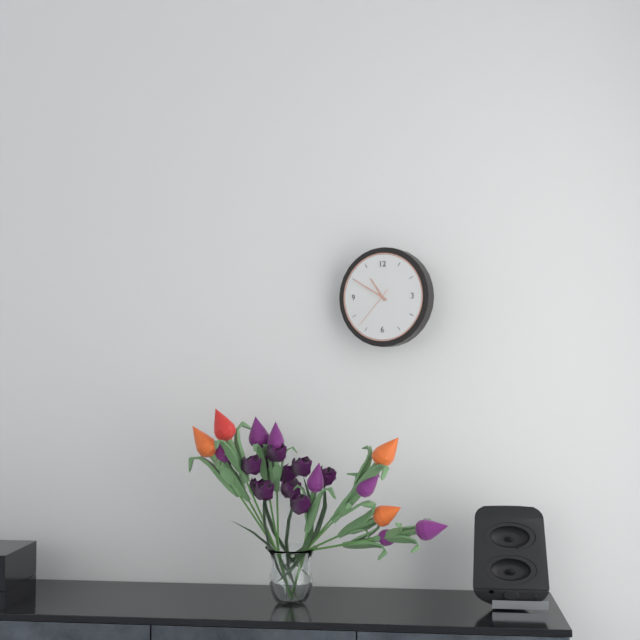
10:50
